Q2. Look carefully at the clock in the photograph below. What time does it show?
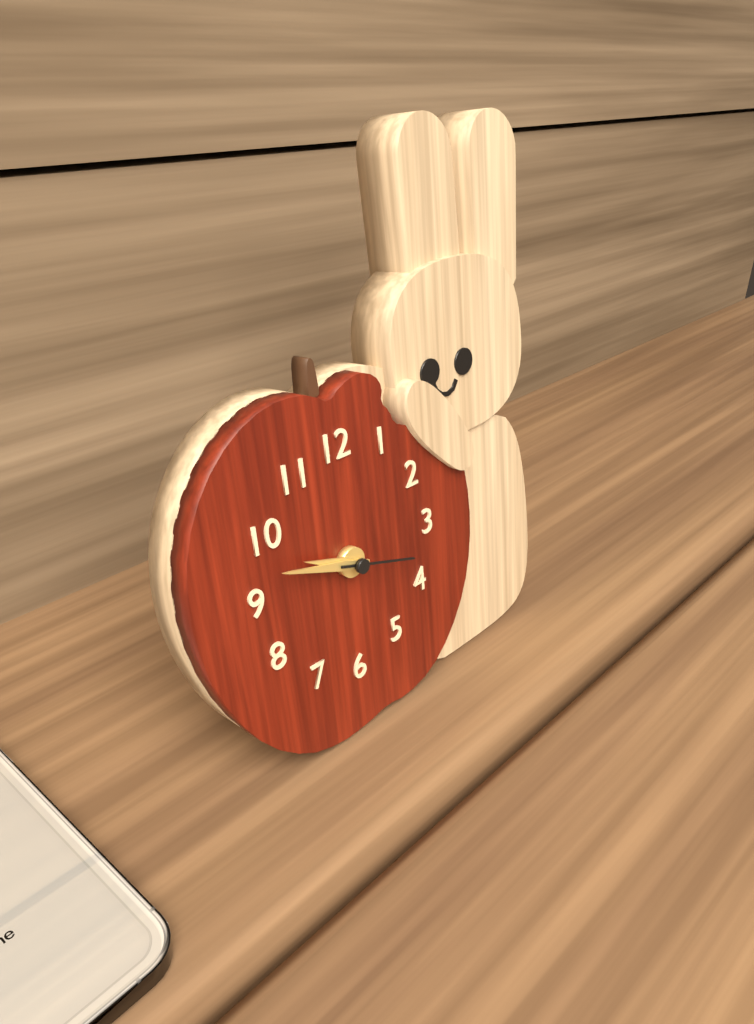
9:48:18
